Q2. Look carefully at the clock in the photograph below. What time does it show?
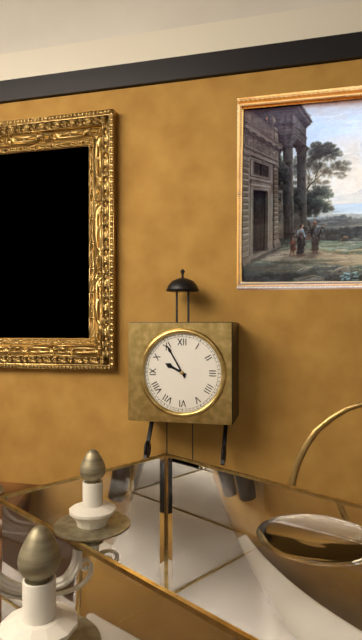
9:55
